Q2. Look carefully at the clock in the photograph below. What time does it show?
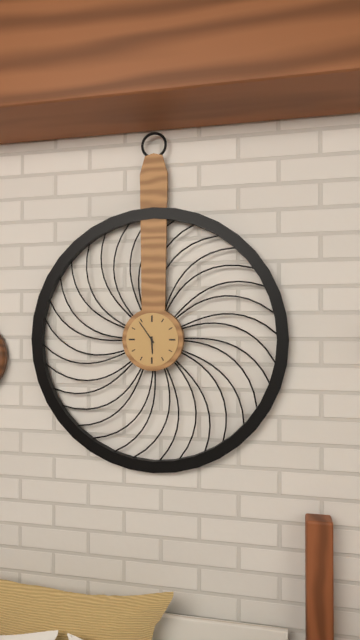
5:54
